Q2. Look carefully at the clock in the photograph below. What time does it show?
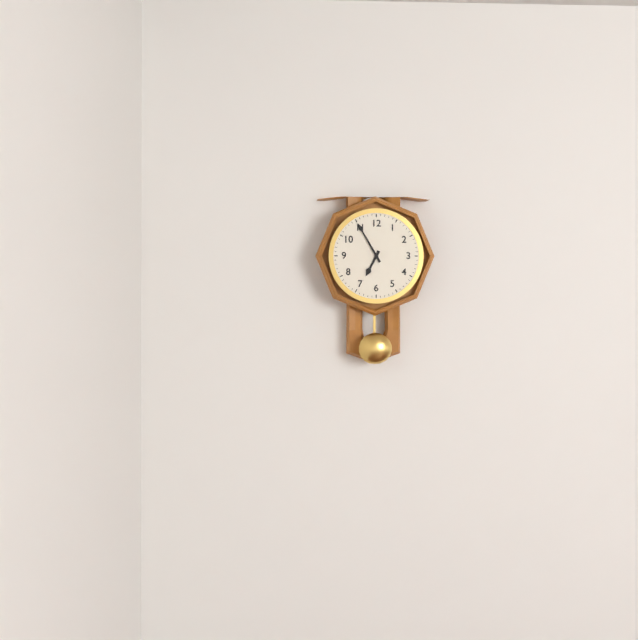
6:55
